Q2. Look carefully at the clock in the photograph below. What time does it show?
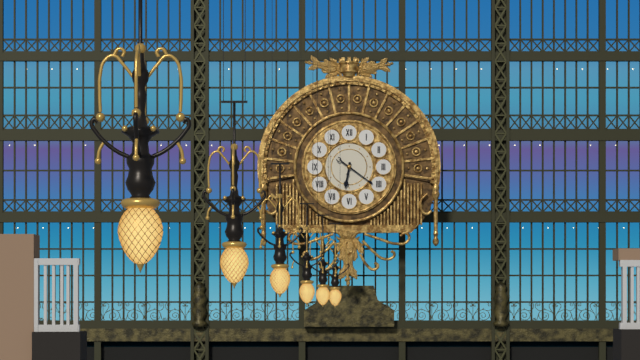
6:21
